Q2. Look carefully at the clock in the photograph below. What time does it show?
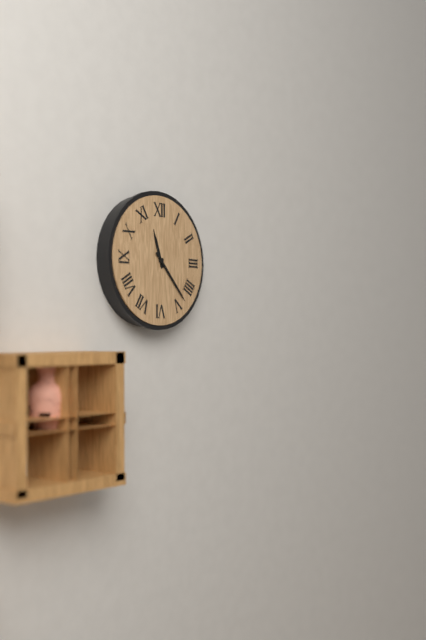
11:23
